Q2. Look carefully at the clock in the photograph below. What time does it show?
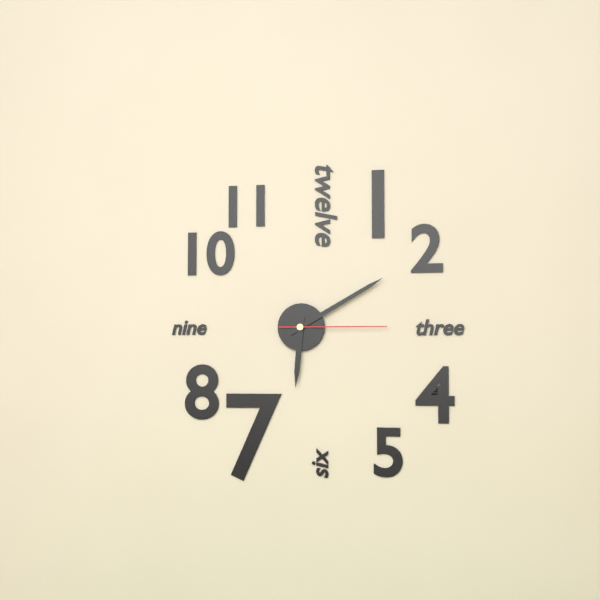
6:10:15
